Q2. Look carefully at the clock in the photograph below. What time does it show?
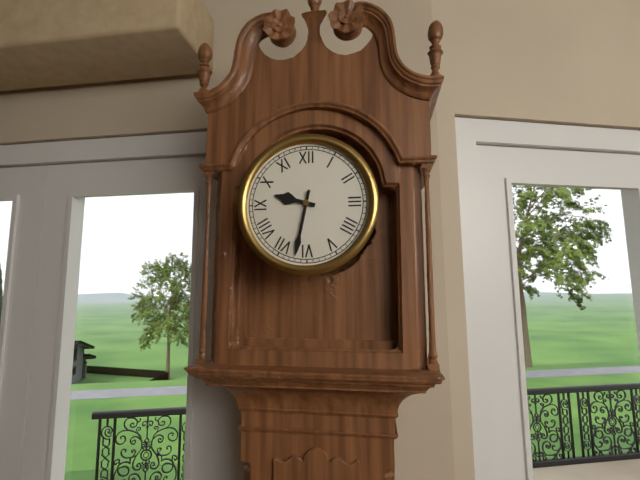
9:32
